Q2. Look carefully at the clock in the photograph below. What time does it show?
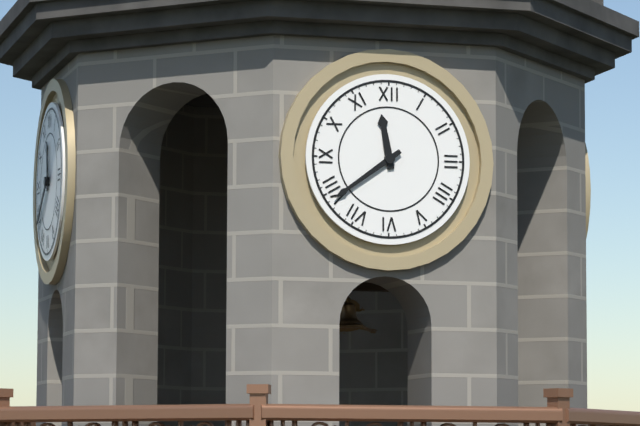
11:39
